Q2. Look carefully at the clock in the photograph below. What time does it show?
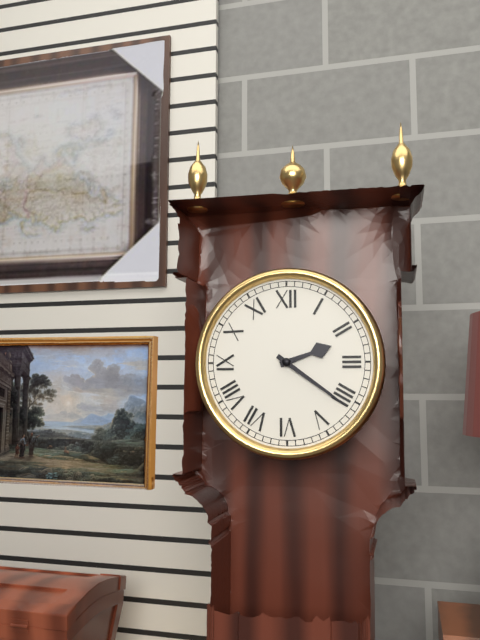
2:21
